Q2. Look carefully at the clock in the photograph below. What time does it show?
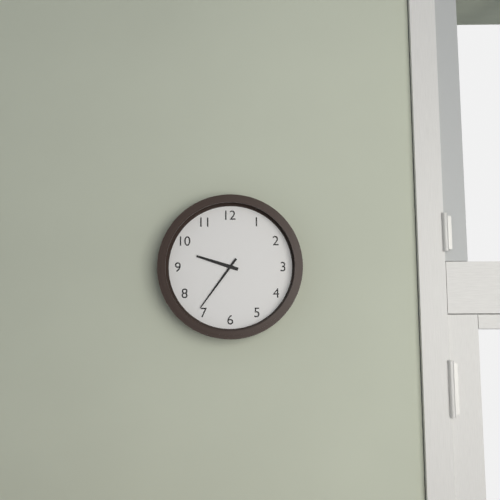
9:36
